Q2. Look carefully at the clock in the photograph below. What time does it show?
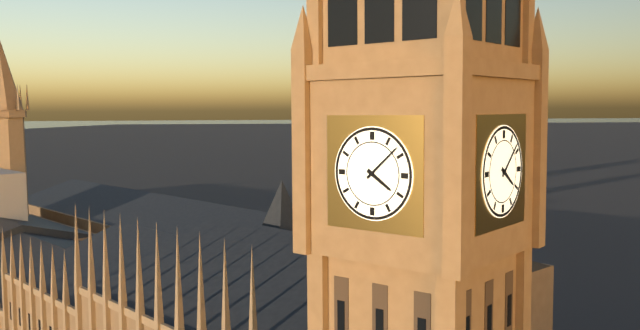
4:08
